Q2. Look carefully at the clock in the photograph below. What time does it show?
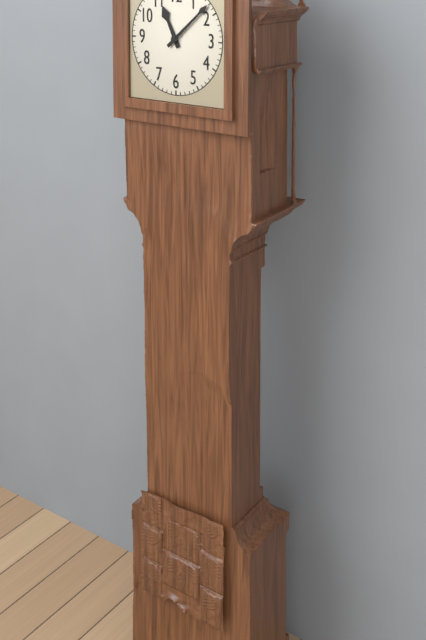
11:08
